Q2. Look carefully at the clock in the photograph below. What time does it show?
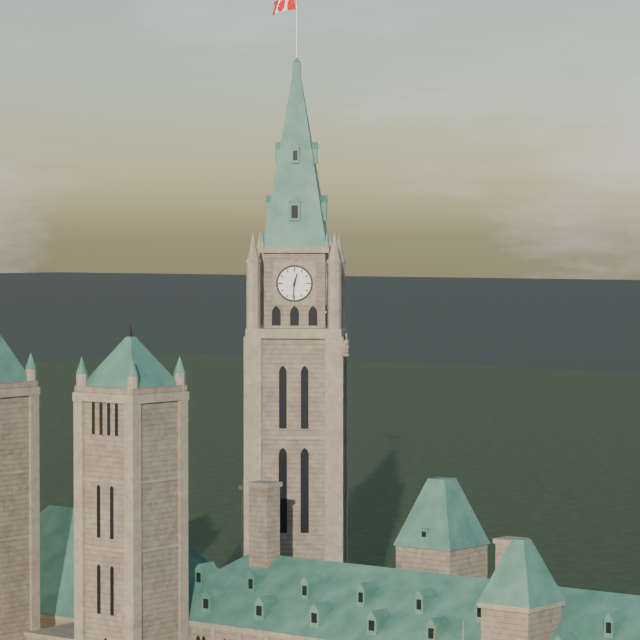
12:31
